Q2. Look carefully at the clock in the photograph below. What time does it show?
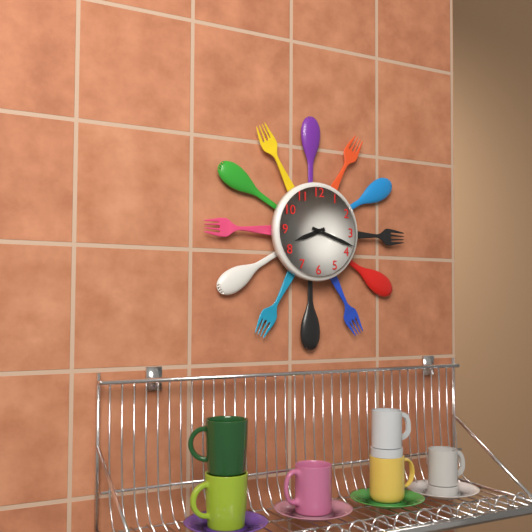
8:18
